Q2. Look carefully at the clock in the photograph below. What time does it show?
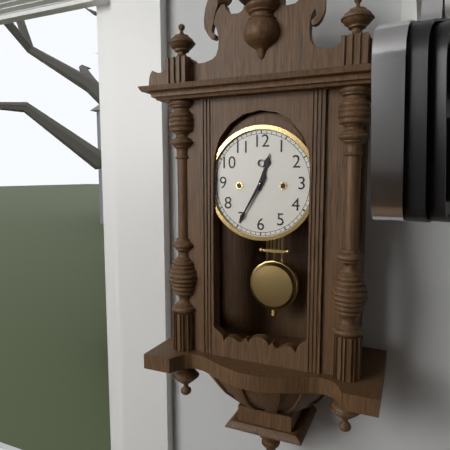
12:35
